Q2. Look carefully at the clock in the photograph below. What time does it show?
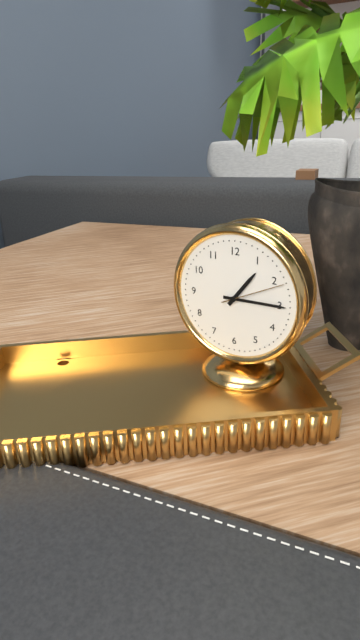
1:15:11
